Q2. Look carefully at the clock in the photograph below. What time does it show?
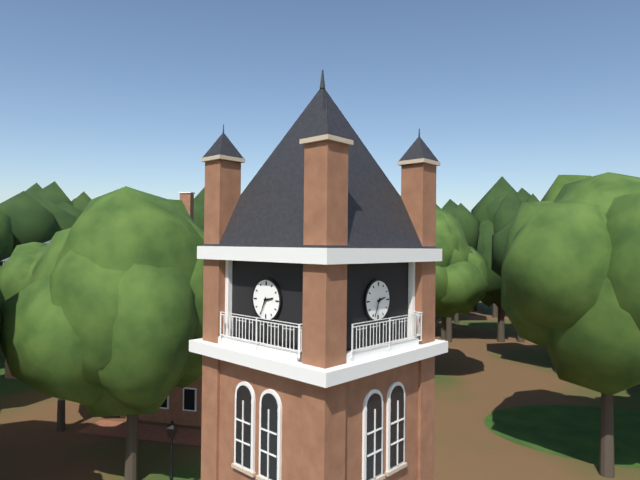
2:34
